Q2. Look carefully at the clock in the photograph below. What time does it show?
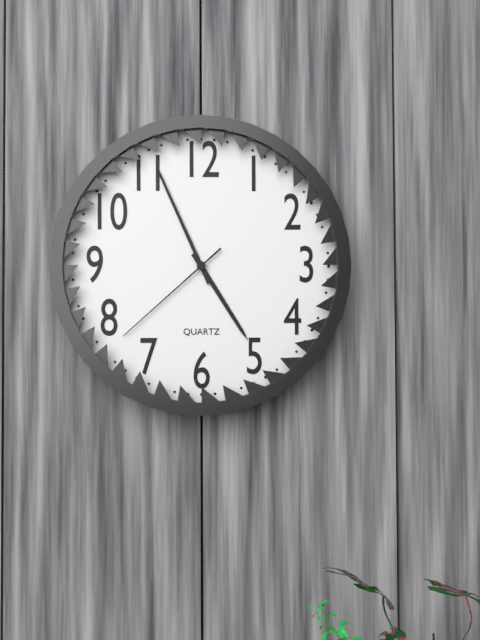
4:56:38
